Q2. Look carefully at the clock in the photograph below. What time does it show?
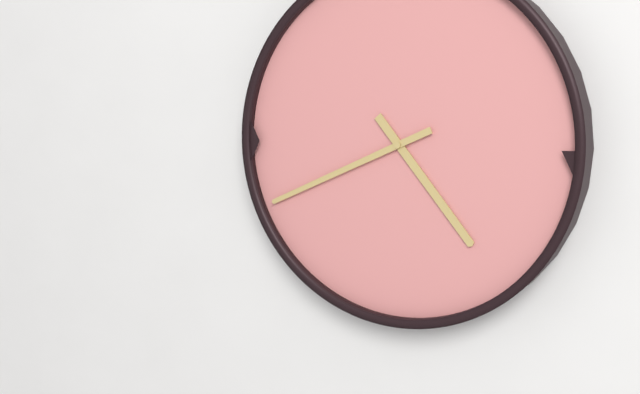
4:41
